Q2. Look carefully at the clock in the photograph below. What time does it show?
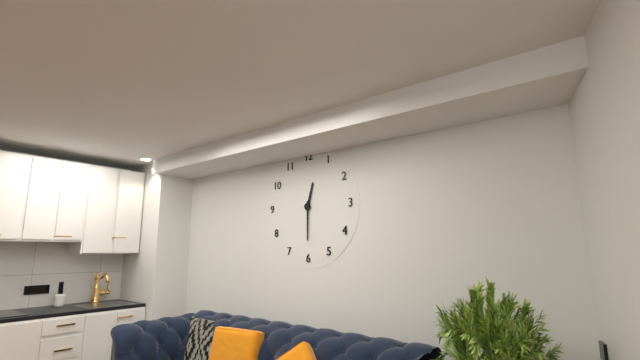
12:30
